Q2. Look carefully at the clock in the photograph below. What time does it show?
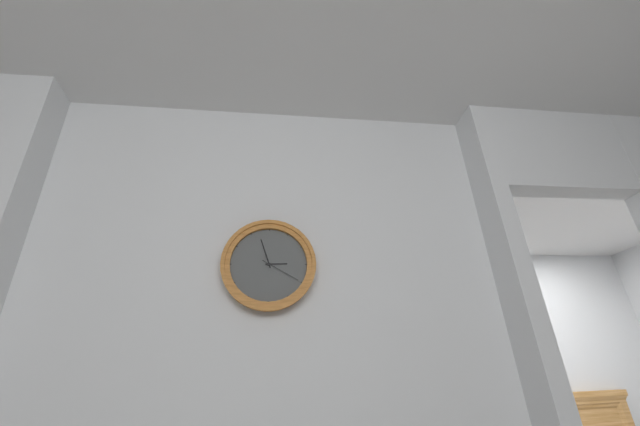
2:57
